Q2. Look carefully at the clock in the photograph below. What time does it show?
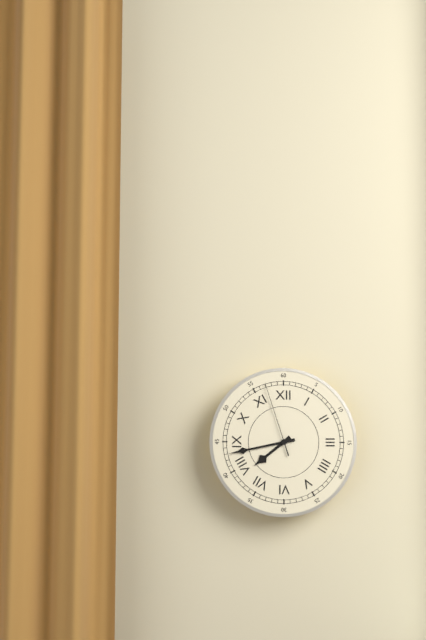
7:43:57
